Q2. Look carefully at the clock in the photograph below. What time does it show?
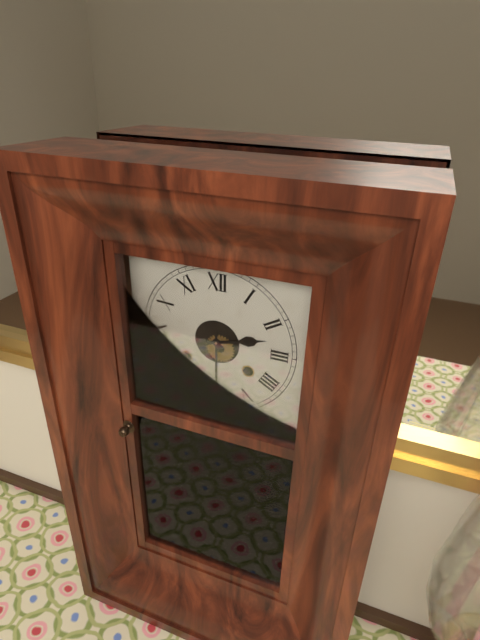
2:30
